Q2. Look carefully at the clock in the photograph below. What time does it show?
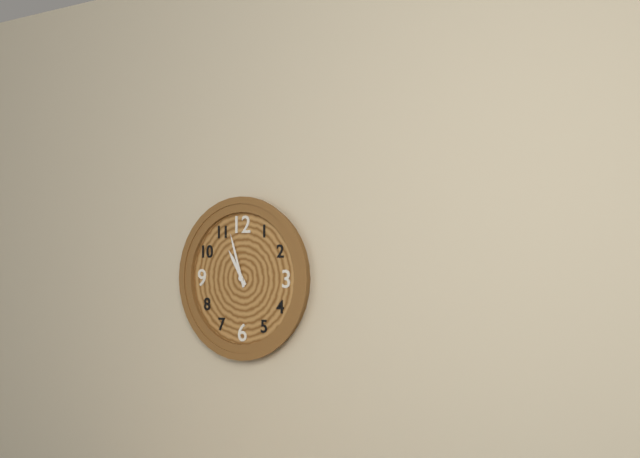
10:57
